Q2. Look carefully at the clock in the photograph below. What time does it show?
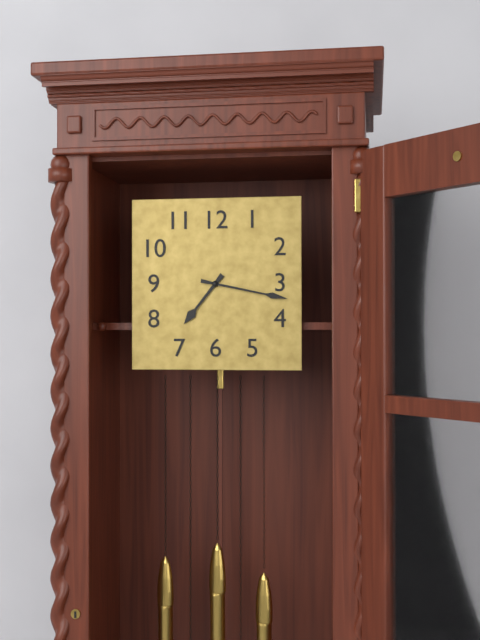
7:17
